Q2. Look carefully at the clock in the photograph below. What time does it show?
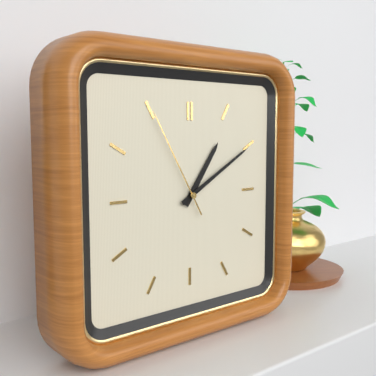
1:10:55
